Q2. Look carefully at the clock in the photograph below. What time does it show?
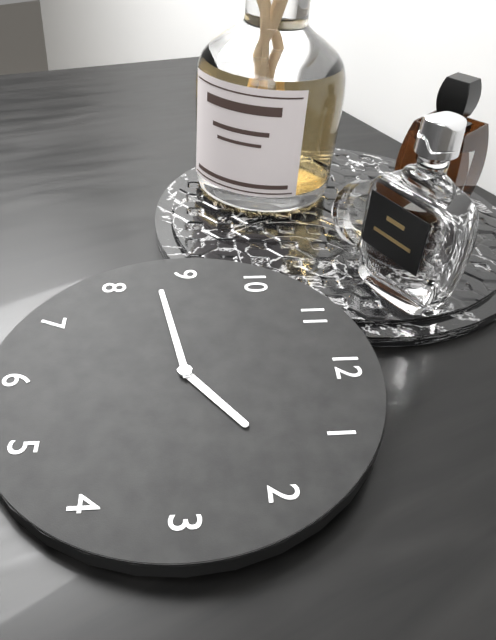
1:43
